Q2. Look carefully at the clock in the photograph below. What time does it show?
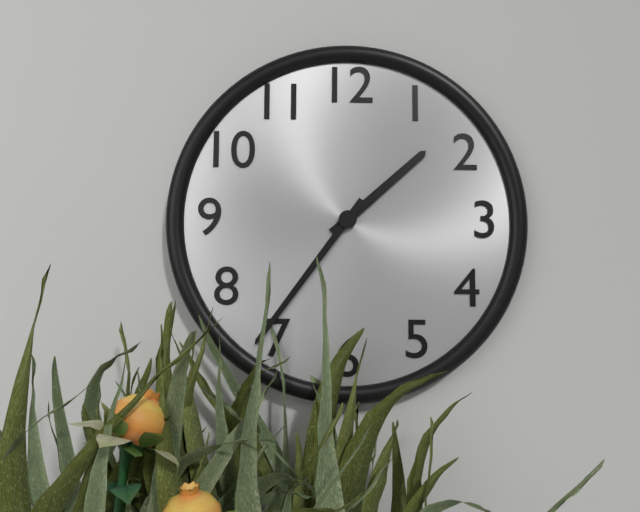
1:36
